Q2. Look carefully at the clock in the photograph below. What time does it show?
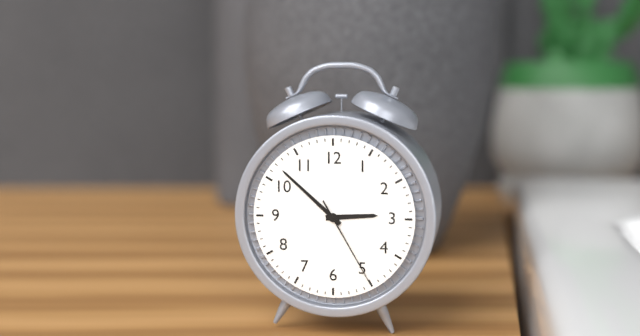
2:52:25
